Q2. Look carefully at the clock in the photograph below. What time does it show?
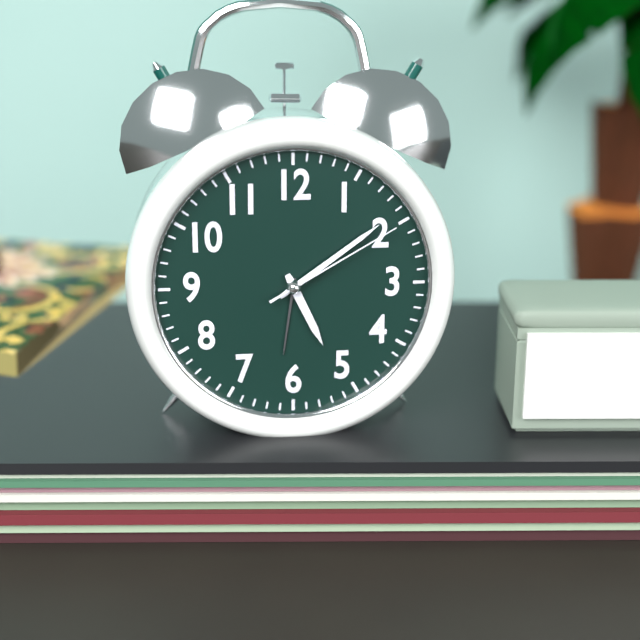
5:09:10
